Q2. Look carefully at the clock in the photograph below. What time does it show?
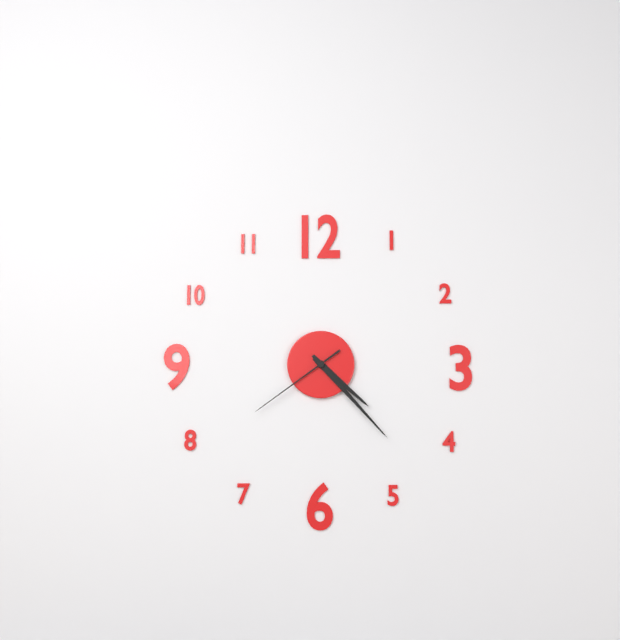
4:23:39
